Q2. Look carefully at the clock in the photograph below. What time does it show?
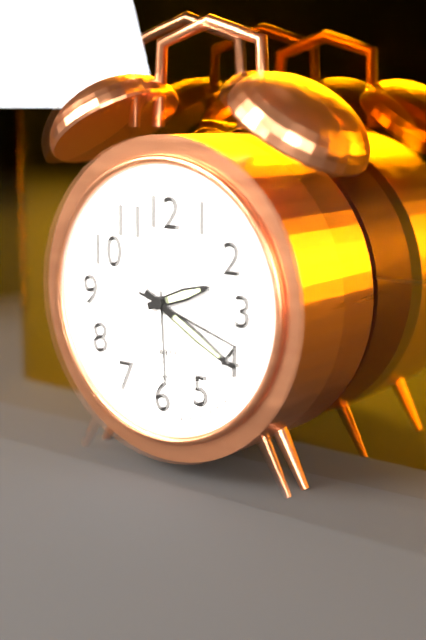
2:20:18
